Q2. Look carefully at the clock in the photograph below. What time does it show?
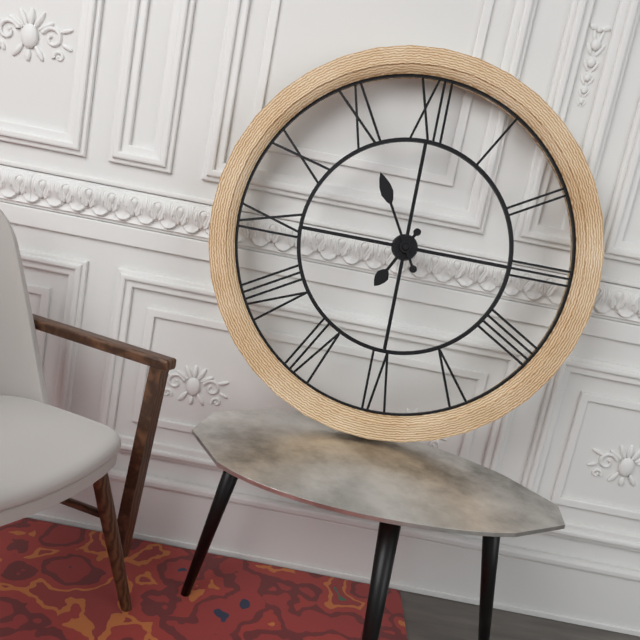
6:55
